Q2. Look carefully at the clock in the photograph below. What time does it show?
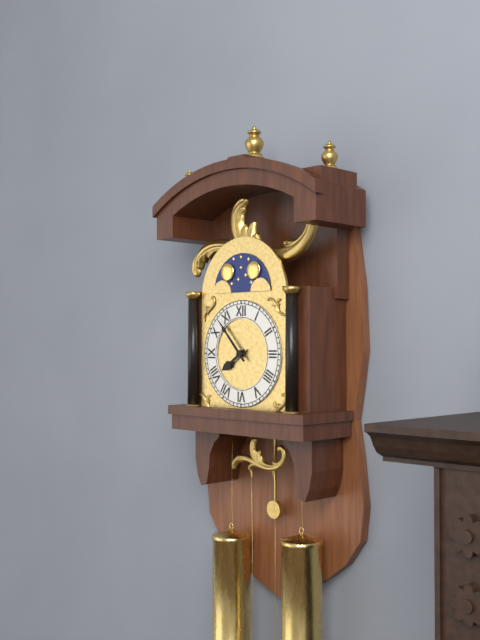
7:53
